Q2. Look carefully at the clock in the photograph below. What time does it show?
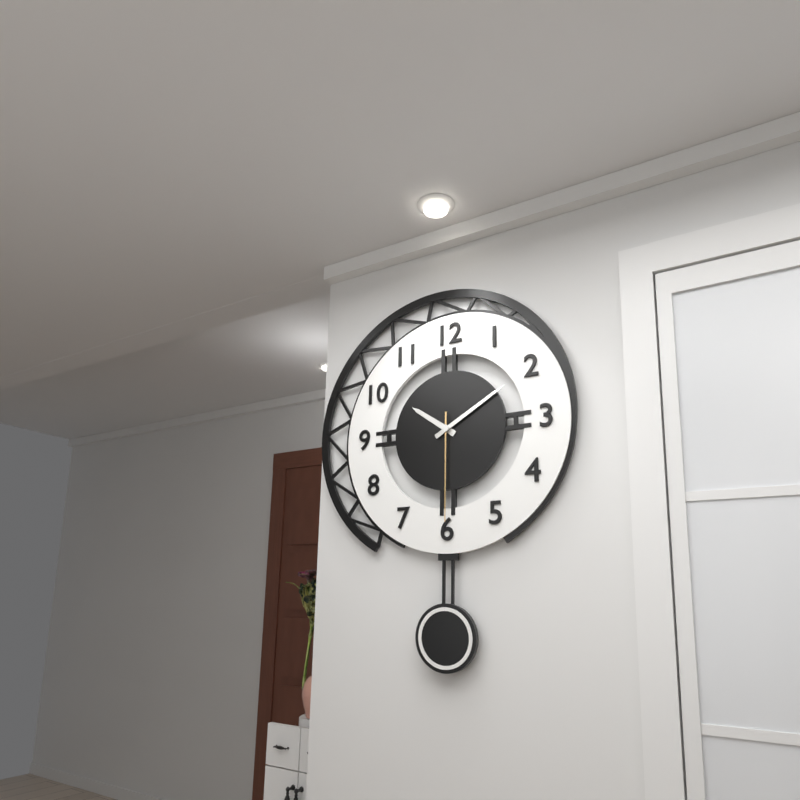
10:10:30
